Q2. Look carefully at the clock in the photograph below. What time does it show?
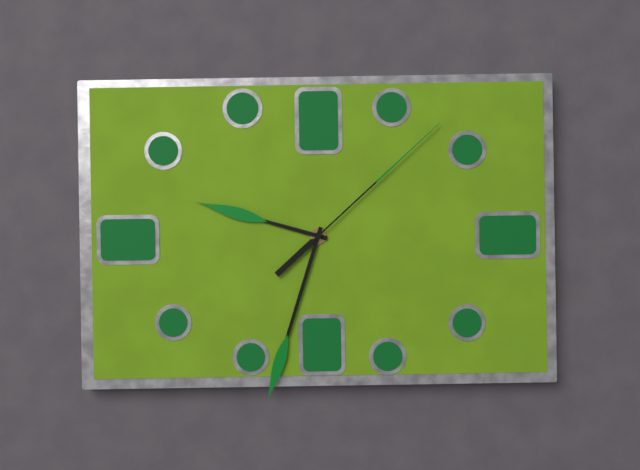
9:33:08
